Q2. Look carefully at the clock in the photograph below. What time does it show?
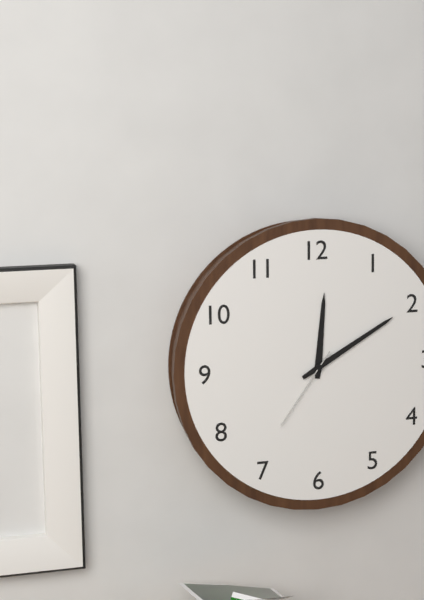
12:10:36
